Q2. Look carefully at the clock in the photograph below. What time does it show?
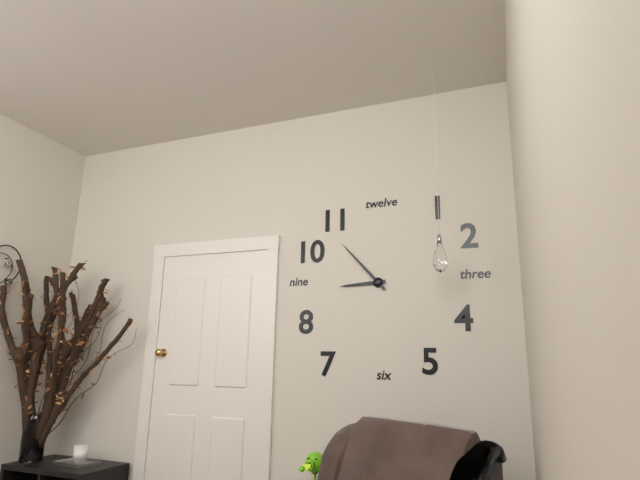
8:53
